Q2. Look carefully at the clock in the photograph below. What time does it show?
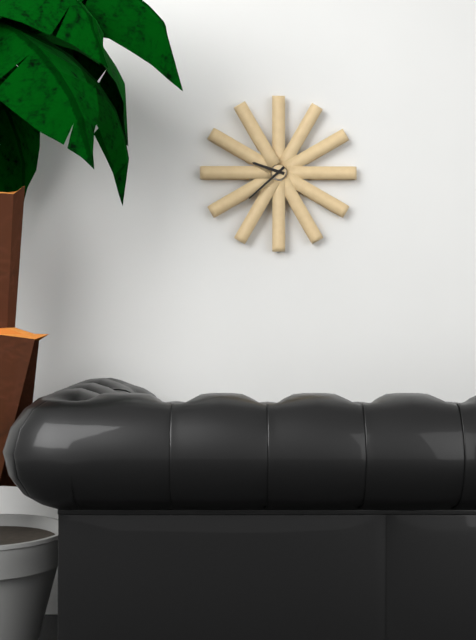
9:38
